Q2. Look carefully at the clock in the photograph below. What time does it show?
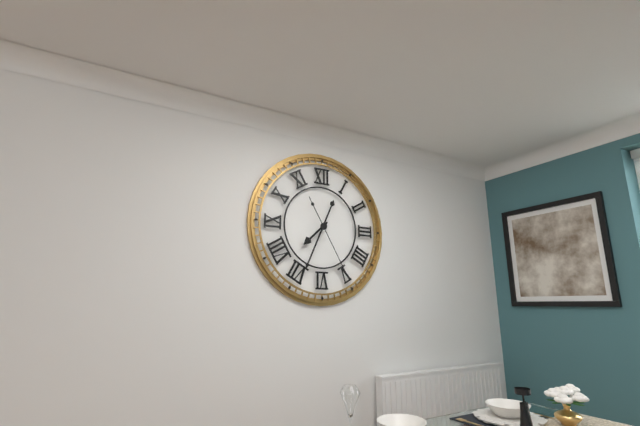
7:34:25
